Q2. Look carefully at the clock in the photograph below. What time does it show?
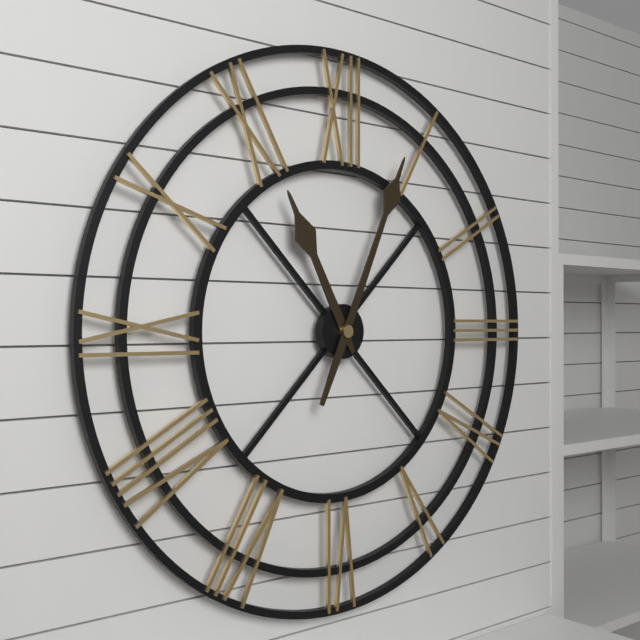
11:04
